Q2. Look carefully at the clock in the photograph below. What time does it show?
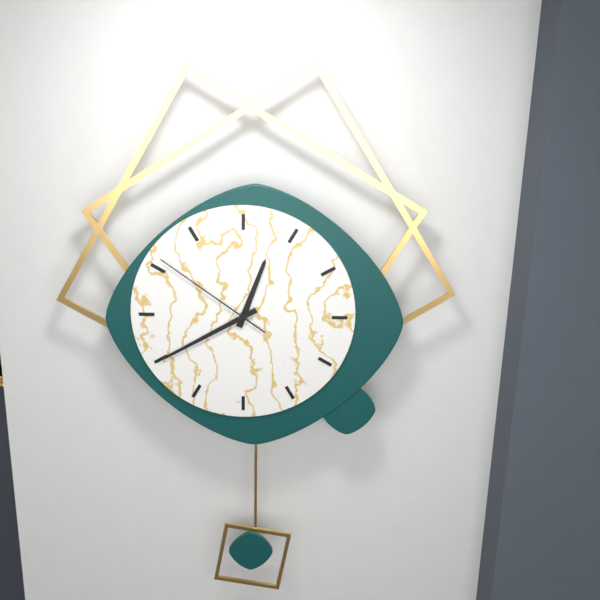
12:40:51
